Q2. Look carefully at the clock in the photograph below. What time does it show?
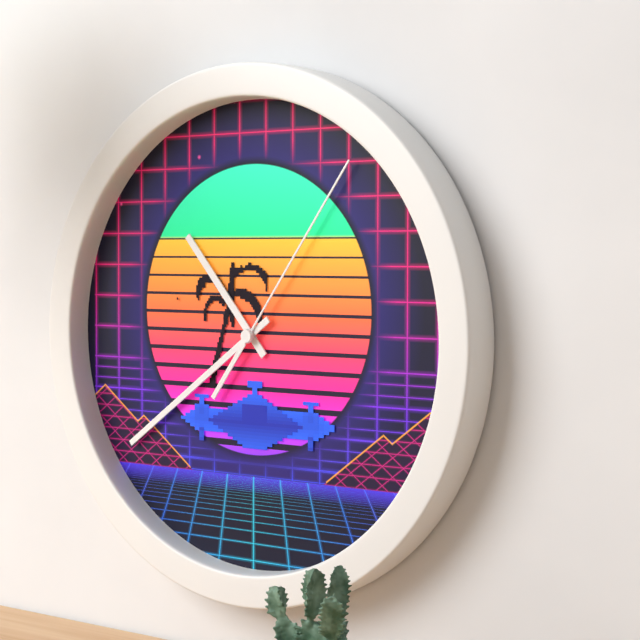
10:39:06
